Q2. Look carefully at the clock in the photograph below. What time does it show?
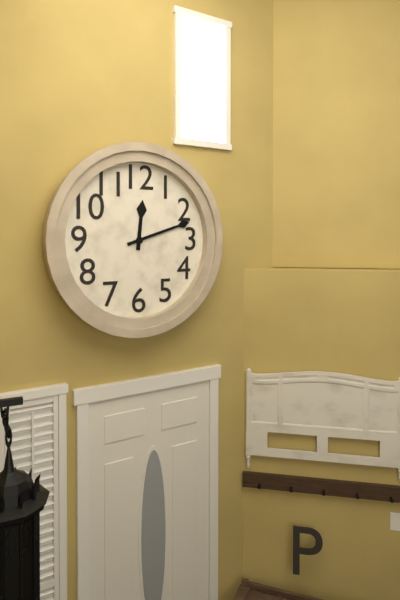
12:12
